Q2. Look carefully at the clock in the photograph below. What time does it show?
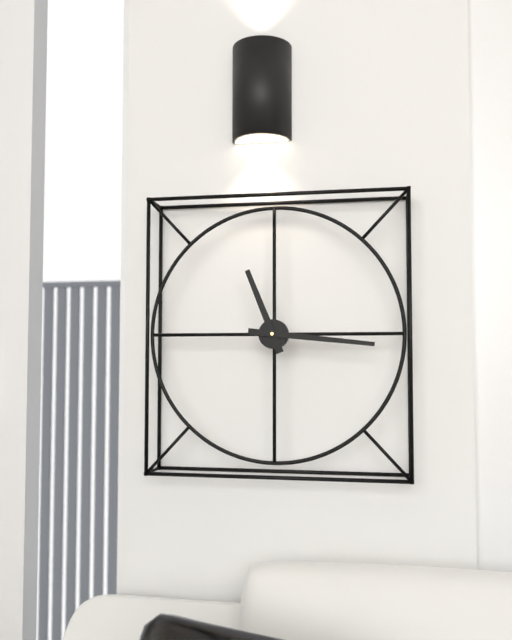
11:16
